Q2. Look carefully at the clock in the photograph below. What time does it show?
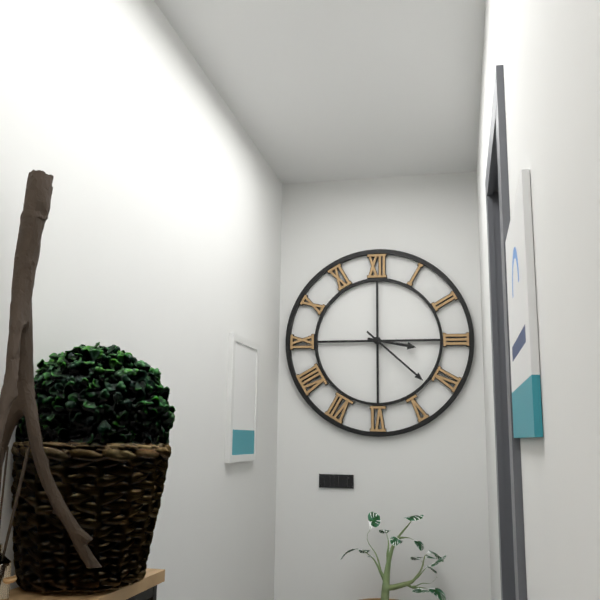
3:22
